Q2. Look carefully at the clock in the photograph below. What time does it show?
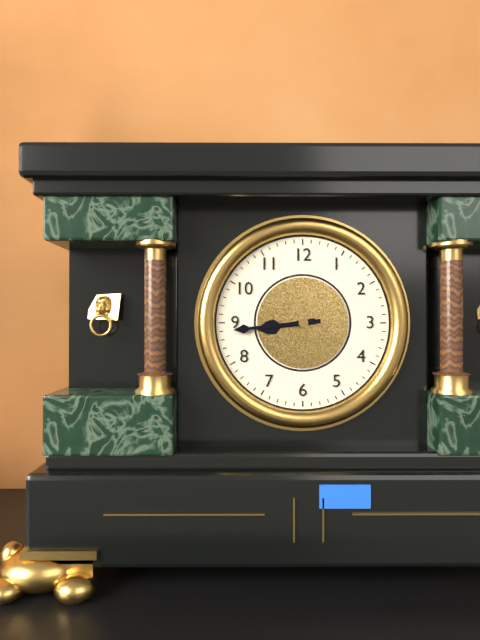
8:44
